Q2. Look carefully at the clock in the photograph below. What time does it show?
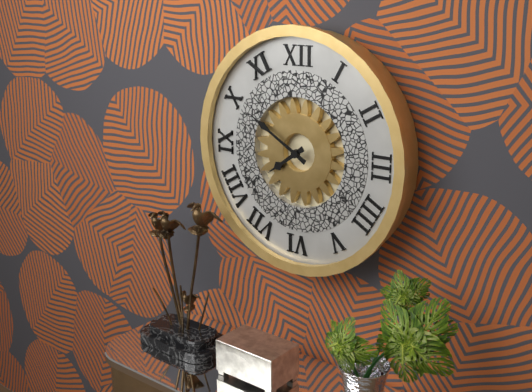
7:50
